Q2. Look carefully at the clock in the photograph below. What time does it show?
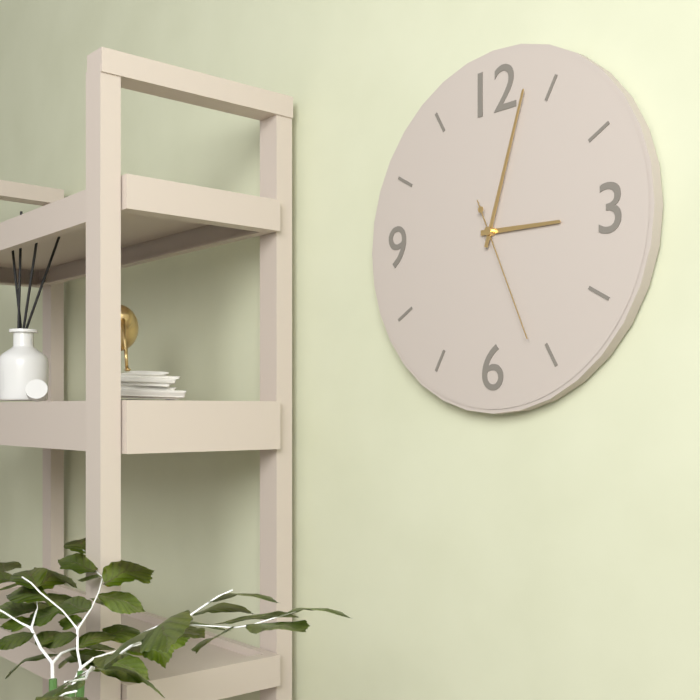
3:03:26
